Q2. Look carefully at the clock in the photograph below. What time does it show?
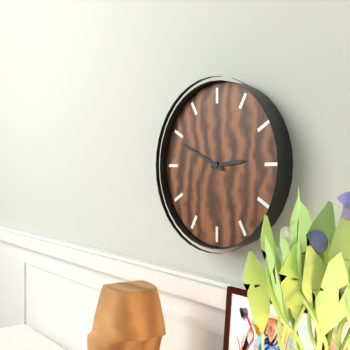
2:49
